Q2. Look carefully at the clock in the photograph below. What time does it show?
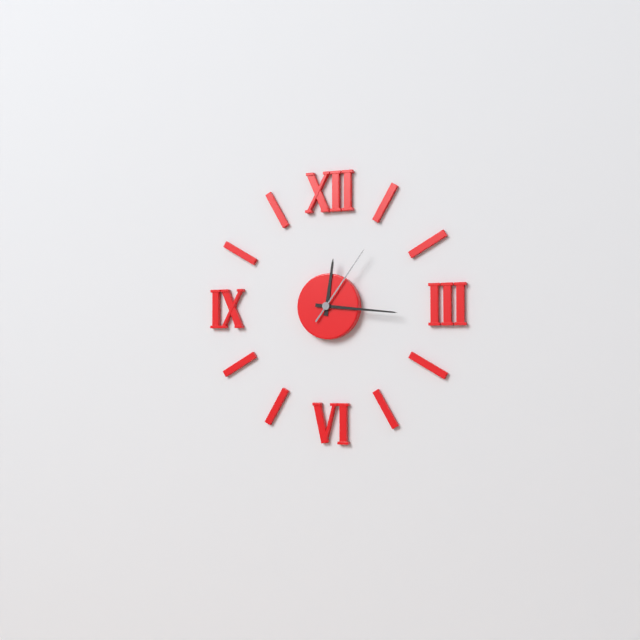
12:16:06
